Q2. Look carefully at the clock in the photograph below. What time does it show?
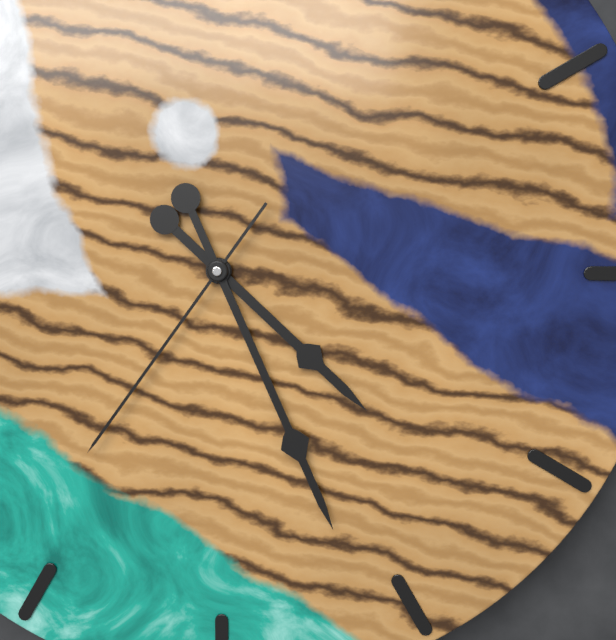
4:26:36
